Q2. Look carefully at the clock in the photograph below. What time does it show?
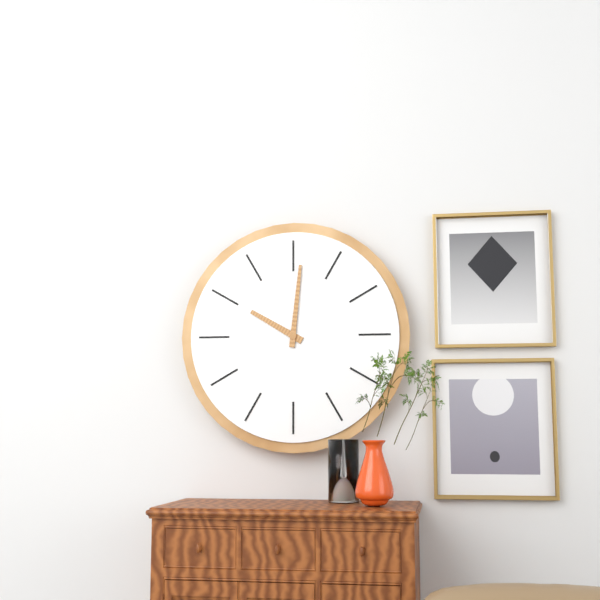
10:01
